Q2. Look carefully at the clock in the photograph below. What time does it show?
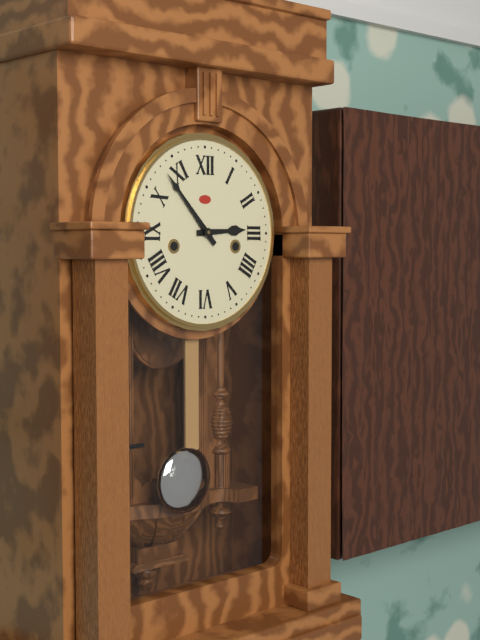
2:53
